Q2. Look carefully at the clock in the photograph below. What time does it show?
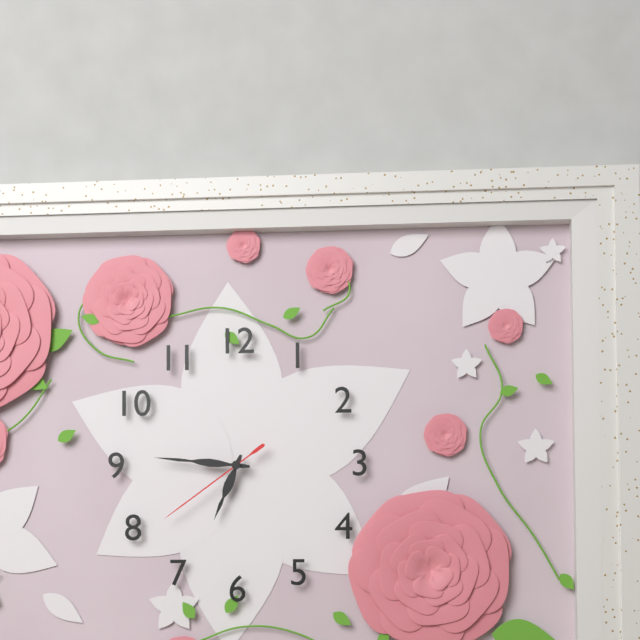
6:46:39
